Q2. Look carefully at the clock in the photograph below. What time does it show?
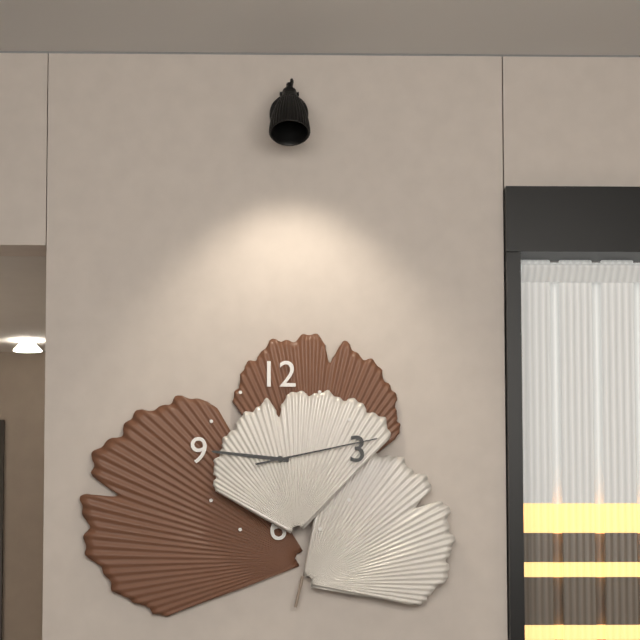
9:13
